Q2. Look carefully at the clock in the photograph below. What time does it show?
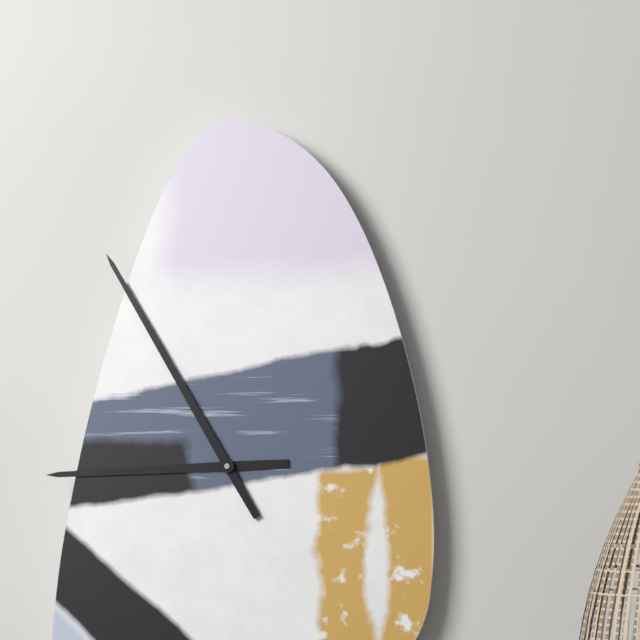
8:55
